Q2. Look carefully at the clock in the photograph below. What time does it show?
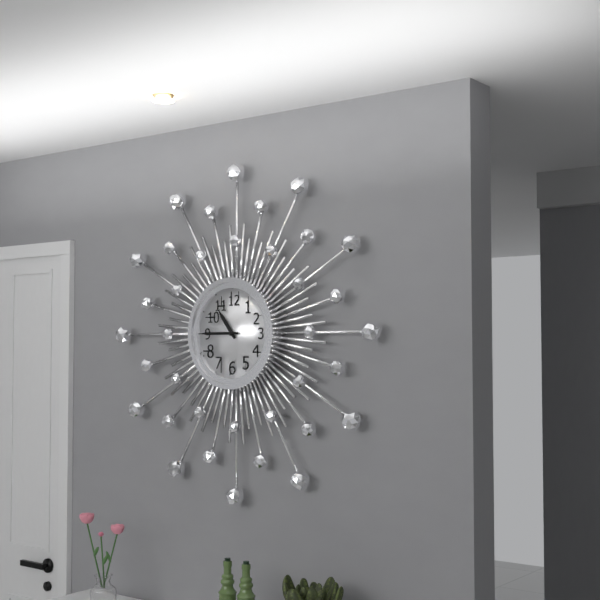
10:45
